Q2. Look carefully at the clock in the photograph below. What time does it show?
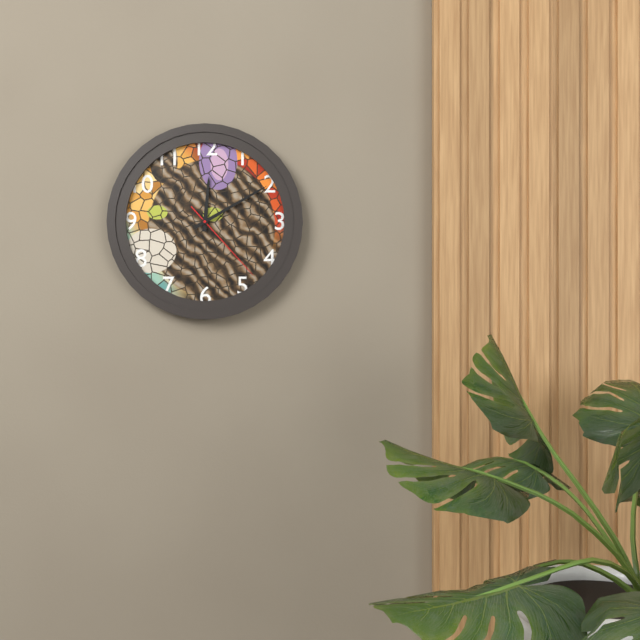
12:10:23
